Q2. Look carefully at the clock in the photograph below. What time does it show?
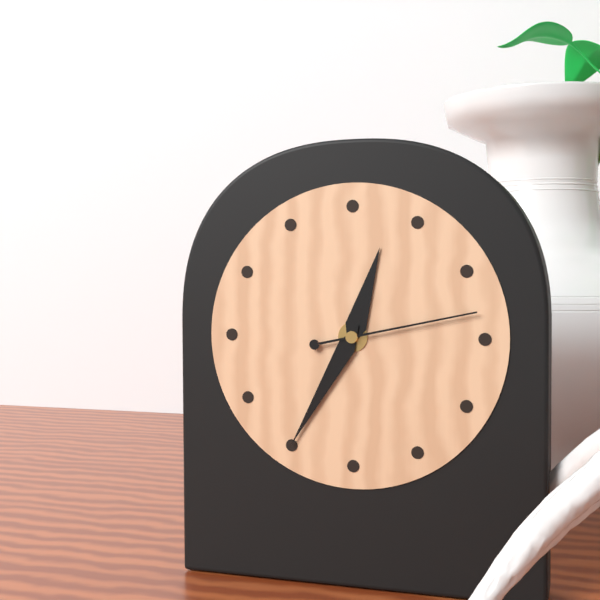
12:35:13
